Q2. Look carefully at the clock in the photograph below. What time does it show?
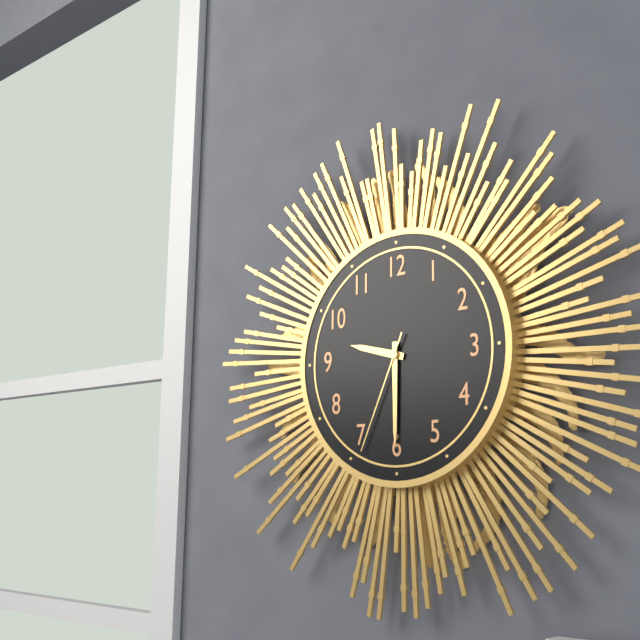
9:30:34
